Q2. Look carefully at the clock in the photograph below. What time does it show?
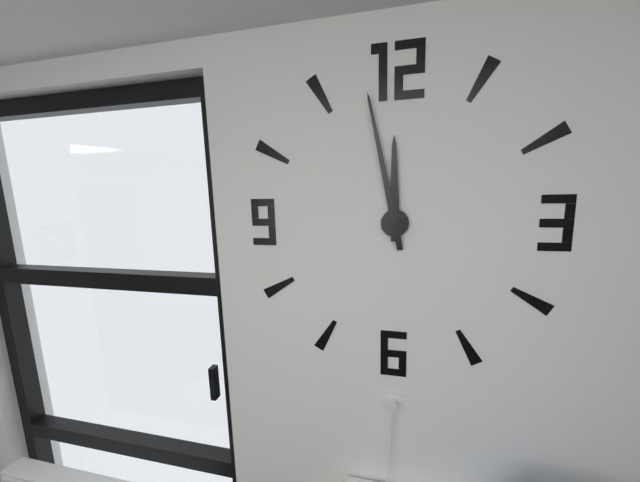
11:58
